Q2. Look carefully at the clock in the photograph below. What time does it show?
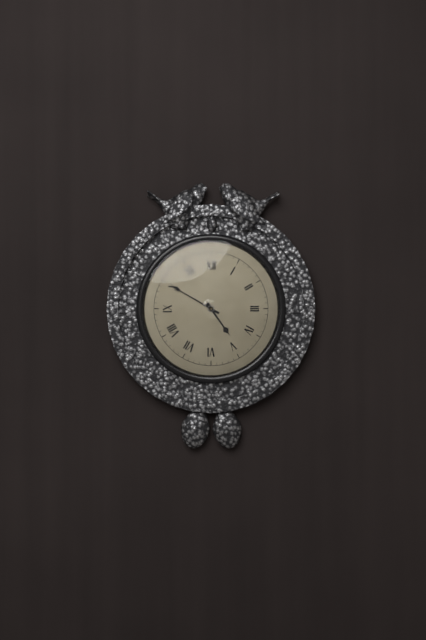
4:50
